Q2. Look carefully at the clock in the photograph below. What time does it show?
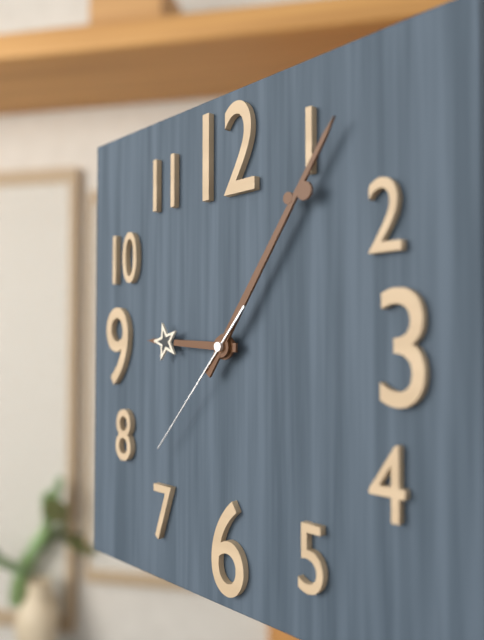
9:06:37
